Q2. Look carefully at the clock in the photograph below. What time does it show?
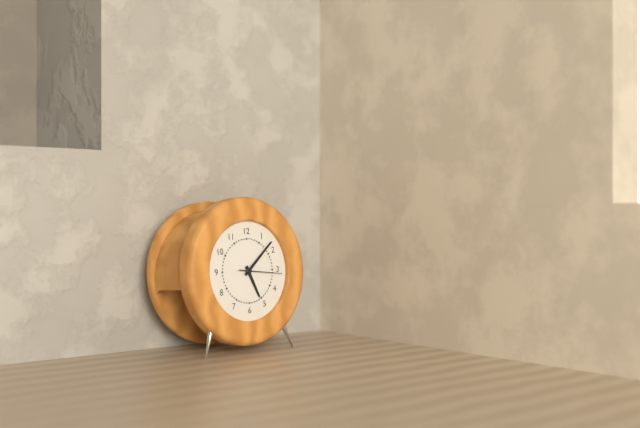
5:08
